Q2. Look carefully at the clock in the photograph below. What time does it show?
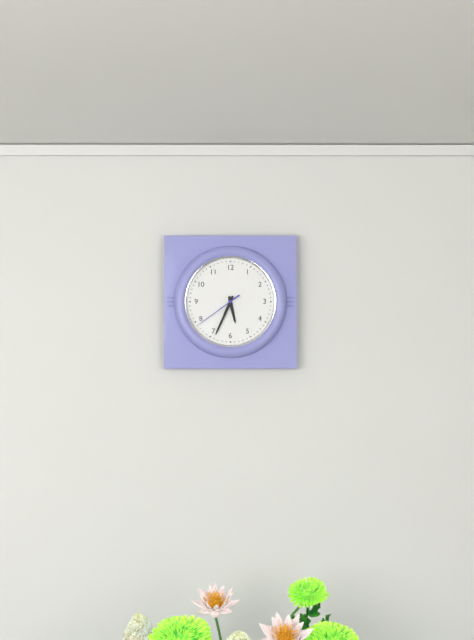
5:34
